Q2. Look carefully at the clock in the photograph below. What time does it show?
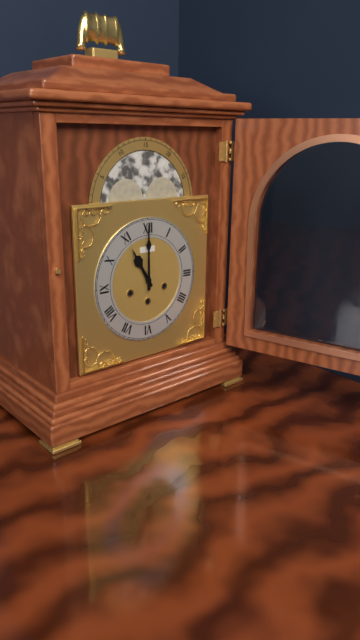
11:00
